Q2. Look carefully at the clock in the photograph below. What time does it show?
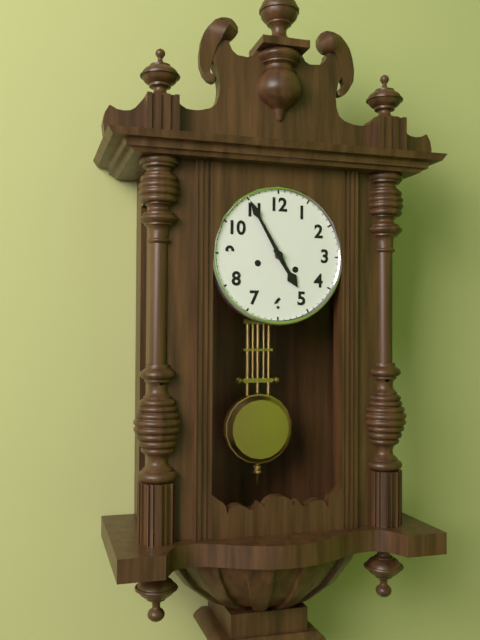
4:55
